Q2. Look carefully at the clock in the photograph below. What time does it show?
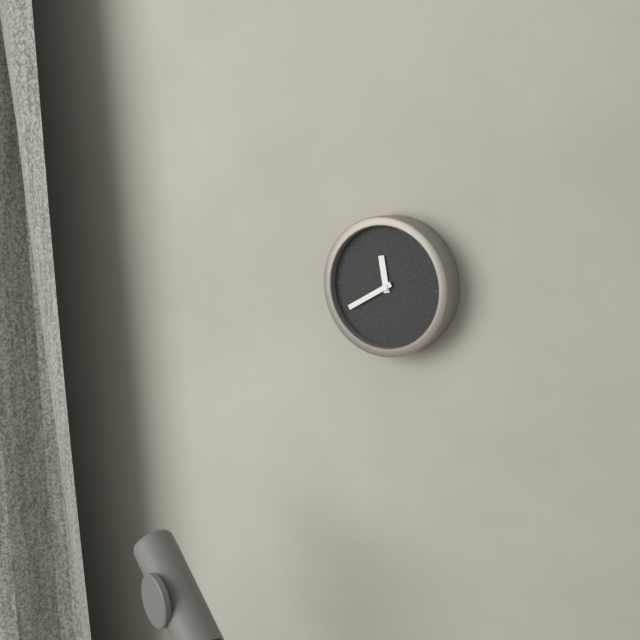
11:40
